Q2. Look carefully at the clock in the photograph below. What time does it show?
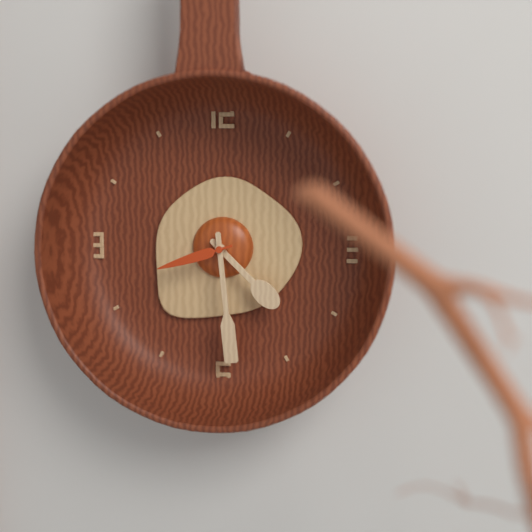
4:29:42
